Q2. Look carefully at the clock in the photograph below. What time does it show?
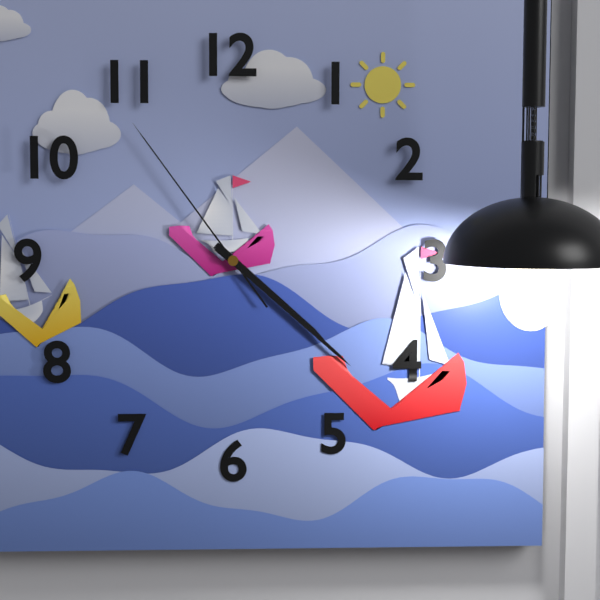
4:22:54
